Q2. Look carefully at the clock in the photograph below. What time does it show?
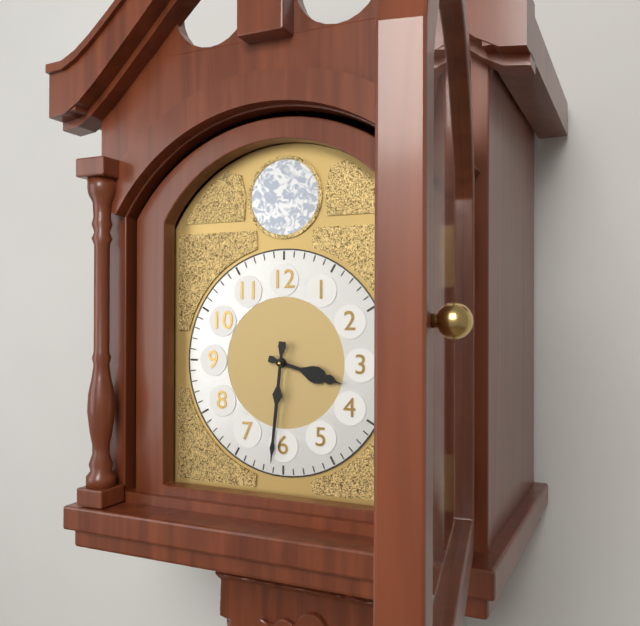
3:31
